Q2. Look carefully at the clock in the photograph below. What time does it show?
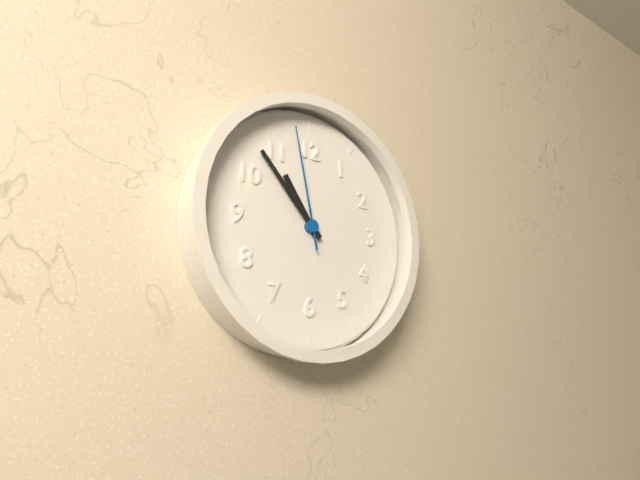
10:53:58
